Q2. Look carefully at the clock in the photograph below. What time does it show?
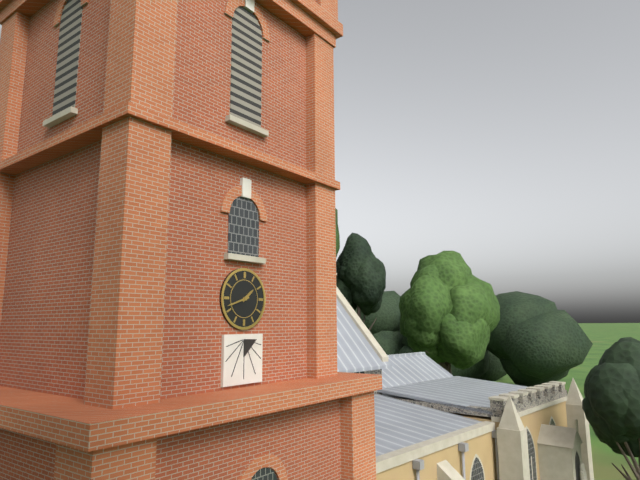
1:42
